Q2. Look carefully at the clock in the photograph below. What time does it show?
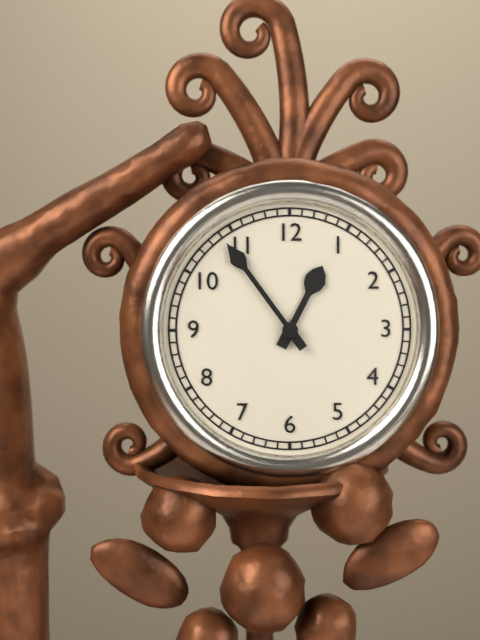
12:54
